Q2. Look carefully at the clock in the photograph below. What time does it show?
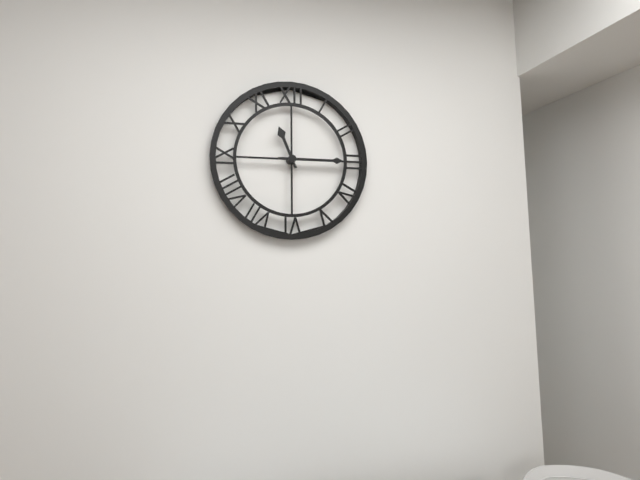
11:15
